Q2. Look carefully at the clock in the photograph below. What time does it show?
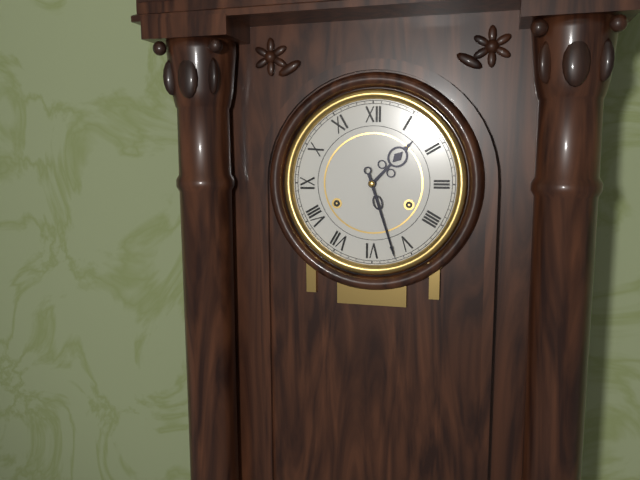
1:27
